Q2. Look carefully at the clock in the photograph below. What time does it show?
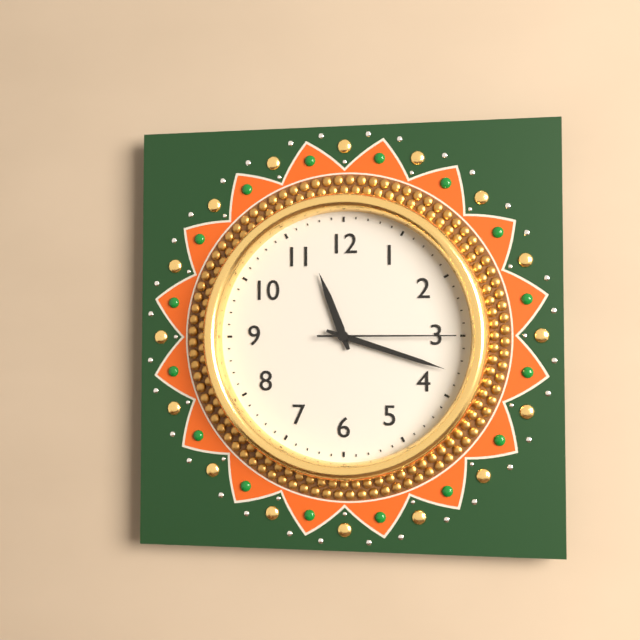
11:18:15
